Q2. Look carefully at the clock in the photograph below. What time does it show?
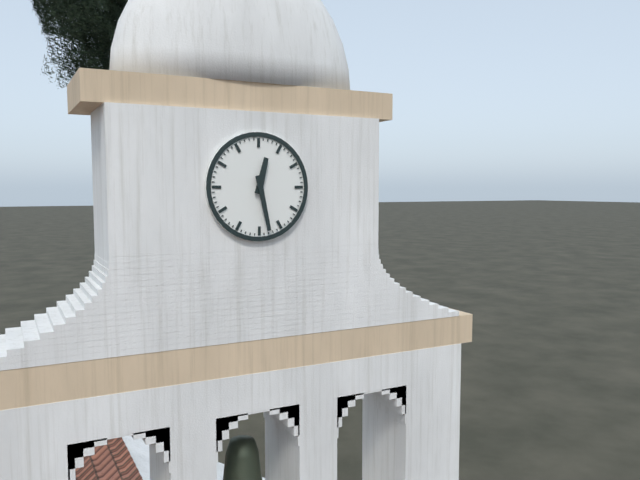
12:28
